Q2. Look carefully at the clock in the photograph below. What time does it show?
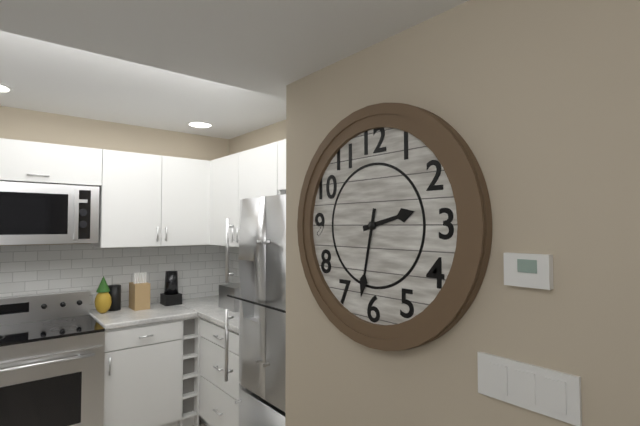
2:32
